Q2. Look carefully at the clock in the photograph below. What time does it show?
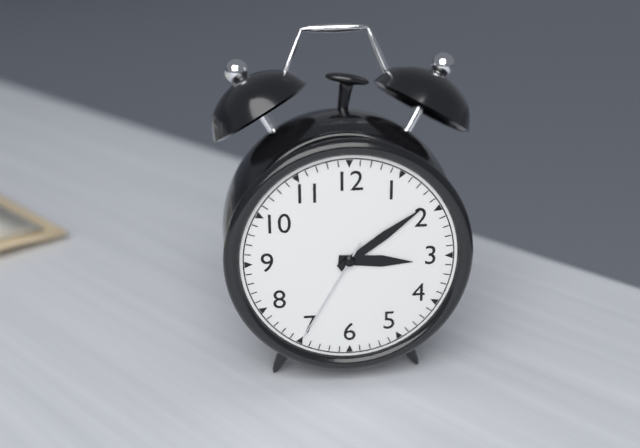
3:09:35
